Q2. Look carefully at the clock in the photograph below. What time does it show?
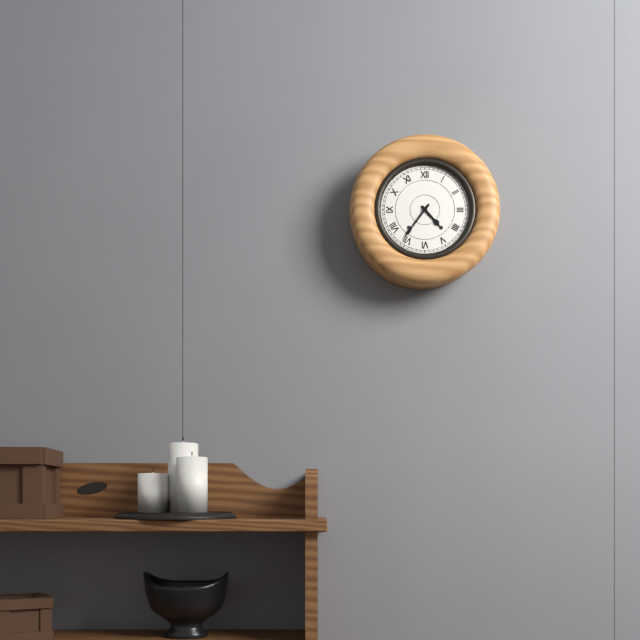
4:36
